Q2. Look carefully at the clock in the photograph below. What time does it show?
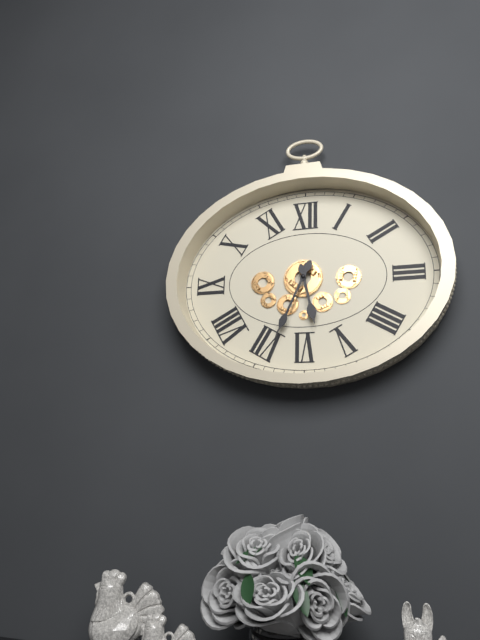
5:34
